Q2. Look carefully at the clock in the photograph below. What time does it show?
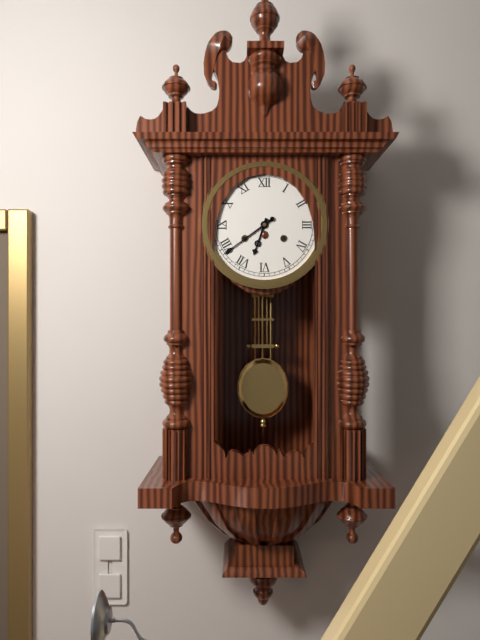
6:39
